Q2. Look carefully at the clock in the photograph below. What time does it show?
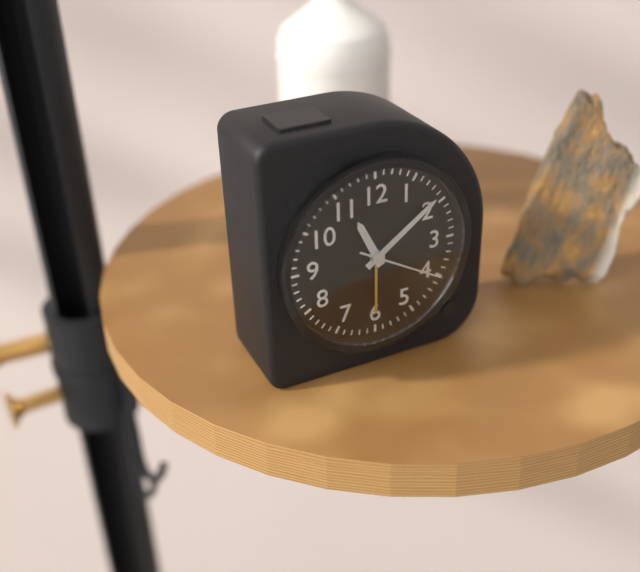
11:09:20
